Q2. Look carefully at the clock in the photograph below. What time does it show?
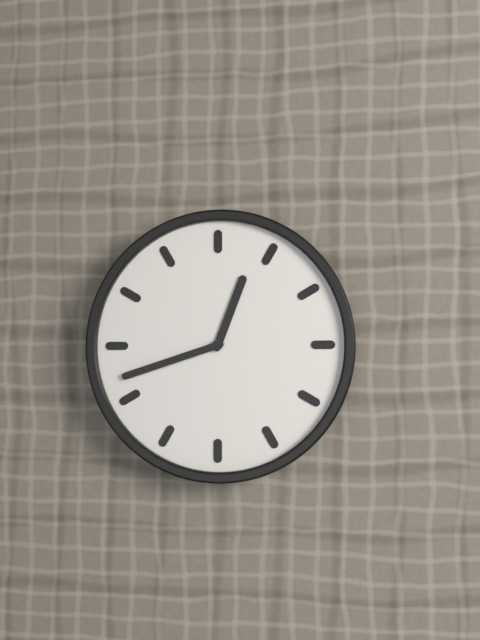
12:42
